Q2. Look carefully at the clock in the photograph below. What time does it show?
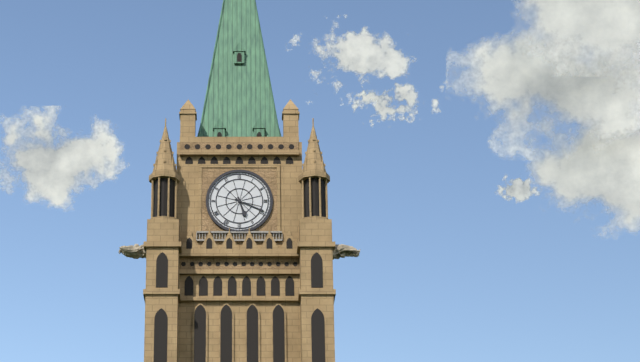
5:19
